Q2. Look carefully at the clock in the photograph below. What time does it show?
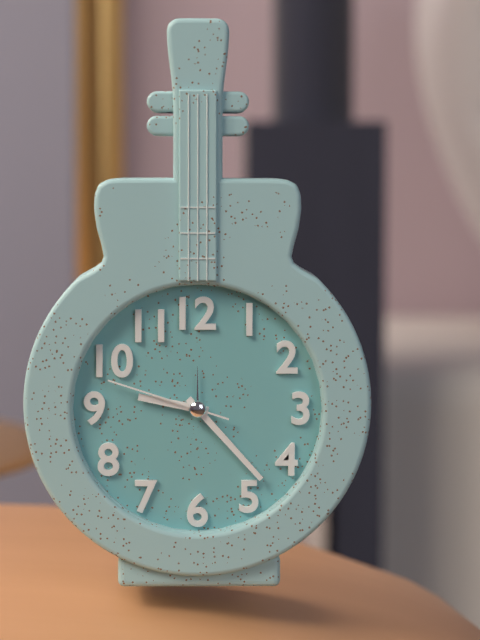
9:23:48
